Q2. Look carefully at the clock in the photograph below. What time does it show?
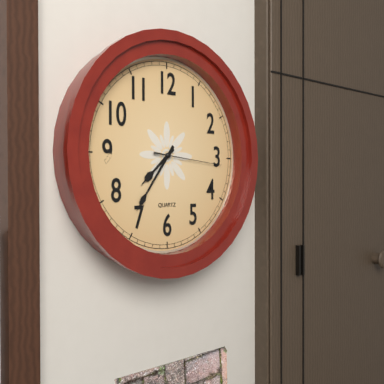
7:36:16
